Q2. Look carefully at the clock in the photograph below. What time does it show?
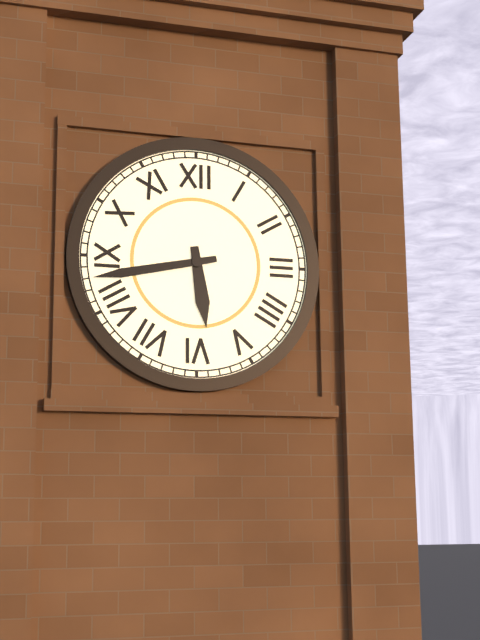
5:43
